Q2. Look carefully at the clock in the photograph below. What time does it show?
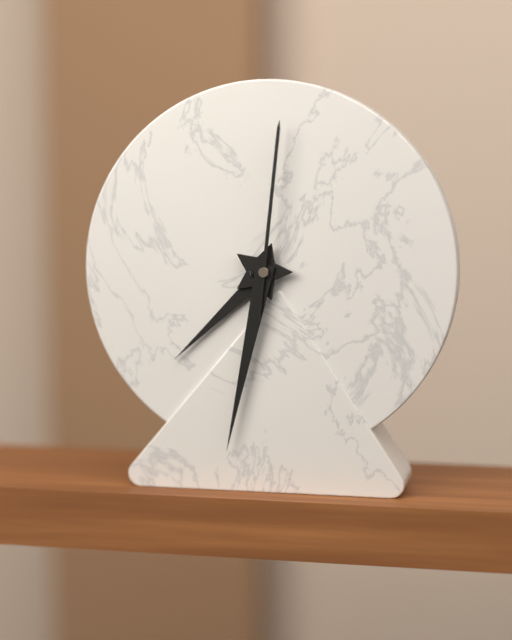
7:32:01
